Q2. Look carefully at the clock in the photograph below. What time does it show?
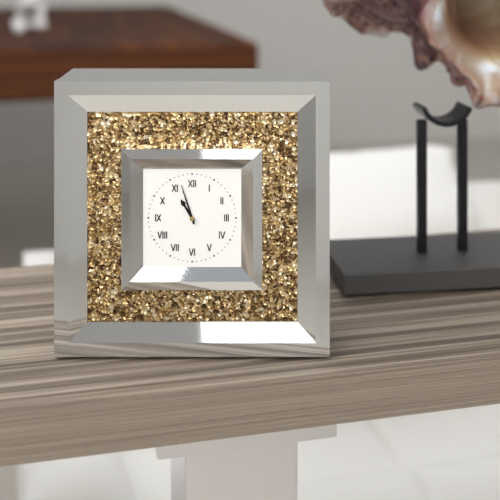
10:57
